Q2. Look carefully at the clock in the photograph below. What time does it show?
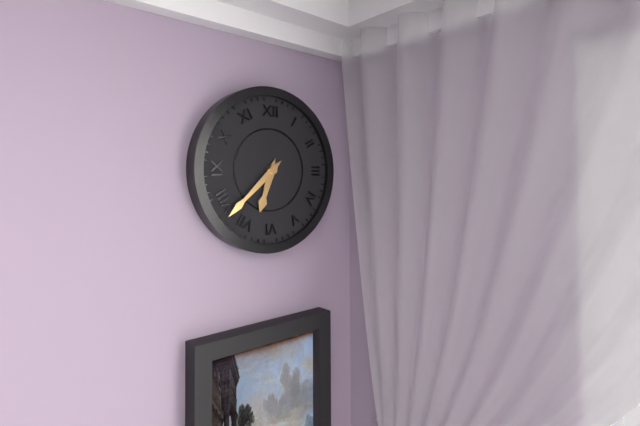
6:38
